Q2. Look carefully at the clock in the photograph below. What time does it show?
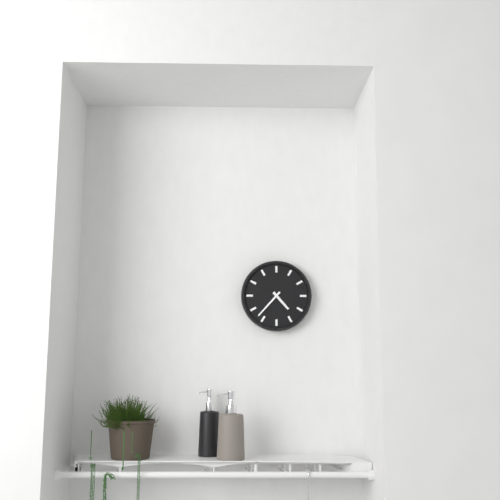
4:37
